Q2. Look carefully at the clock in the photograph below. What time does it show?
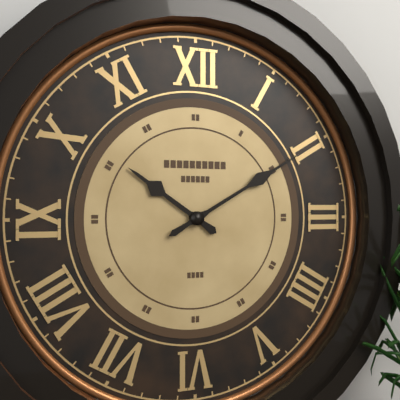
10:10
